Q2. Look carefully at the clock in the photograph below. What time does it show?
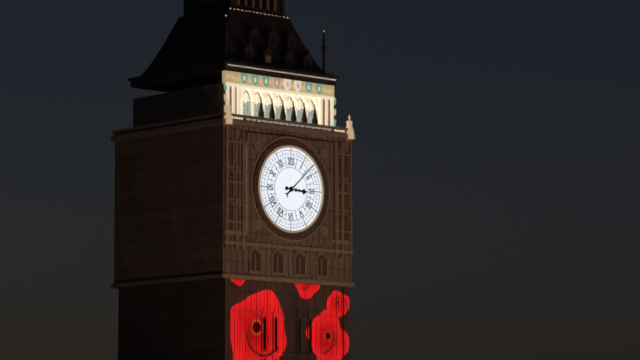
3:08
